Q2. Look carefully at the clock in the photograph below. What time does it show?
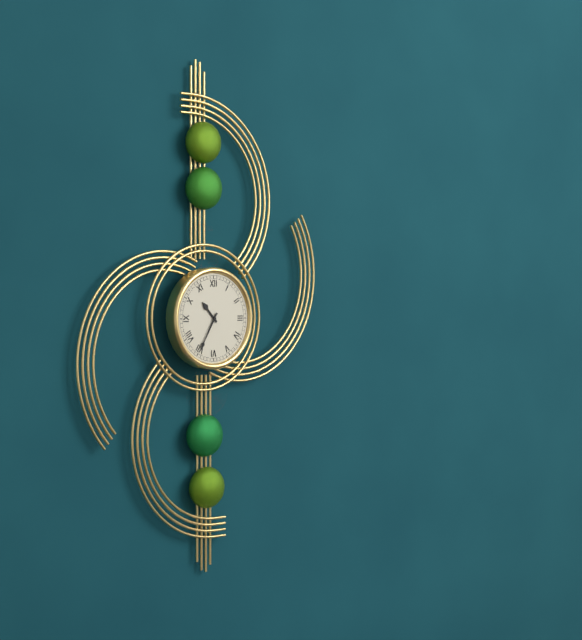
10:35
